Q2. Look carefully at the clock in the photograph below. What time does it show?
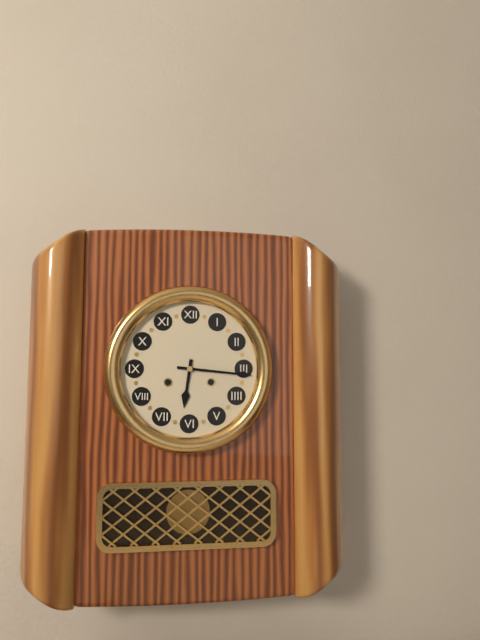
6:16
